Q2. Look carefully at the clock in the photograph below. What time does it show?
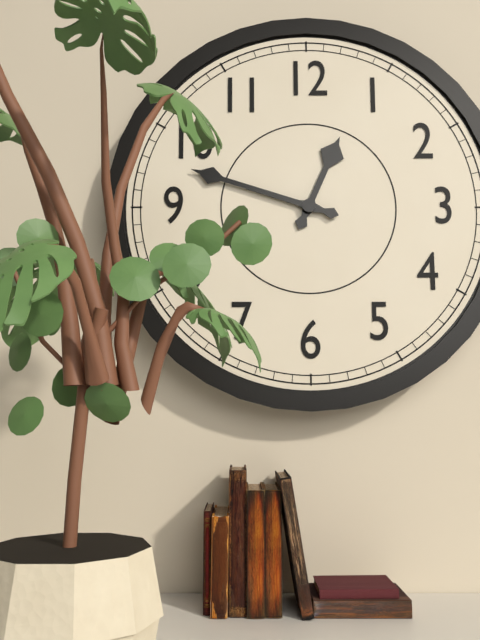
12:48
